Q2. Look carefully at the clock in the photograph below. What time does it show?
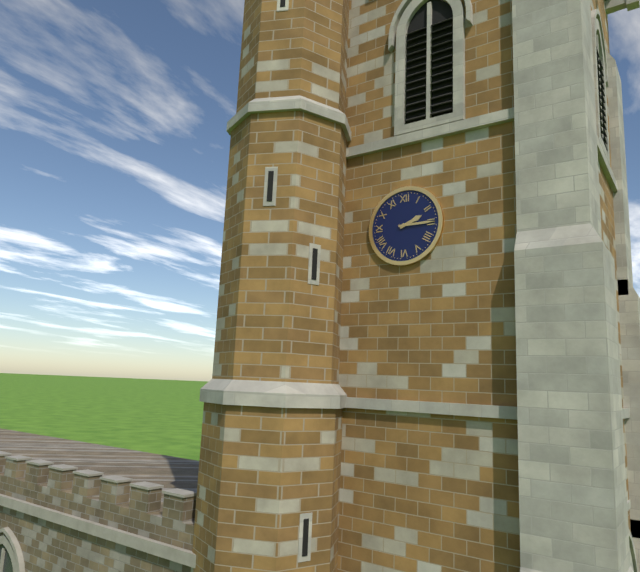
2:15
